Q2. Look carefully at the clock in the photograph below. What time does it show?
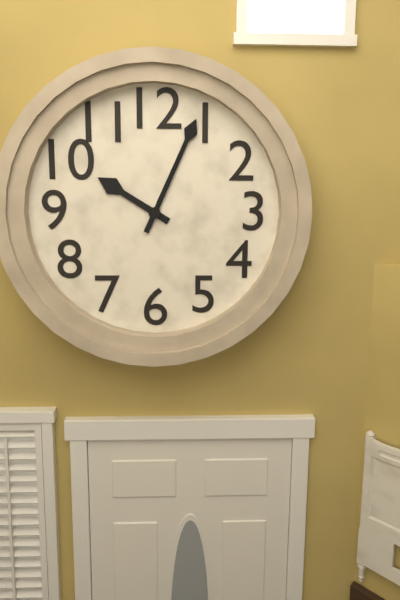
10:04
